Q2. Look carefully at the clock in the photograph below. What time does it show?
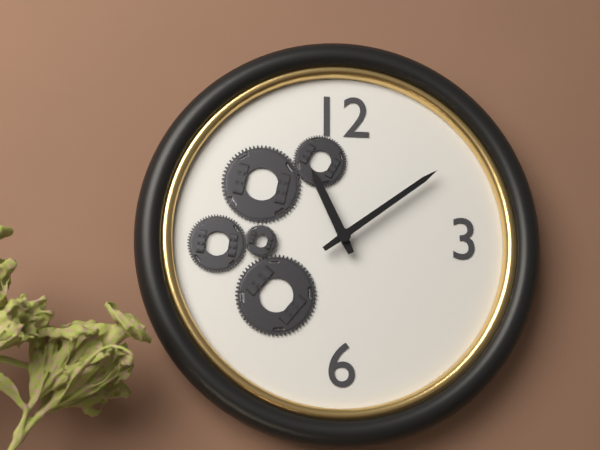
11:09
